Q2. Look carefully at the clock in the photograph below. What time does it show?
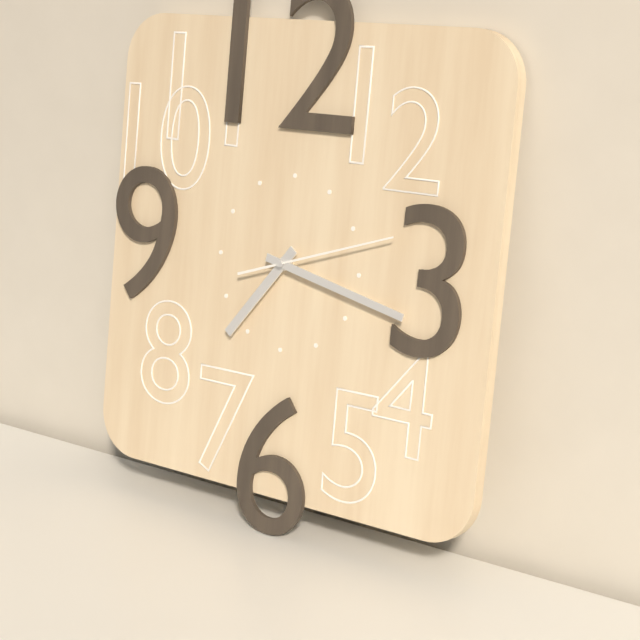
7:17:12
